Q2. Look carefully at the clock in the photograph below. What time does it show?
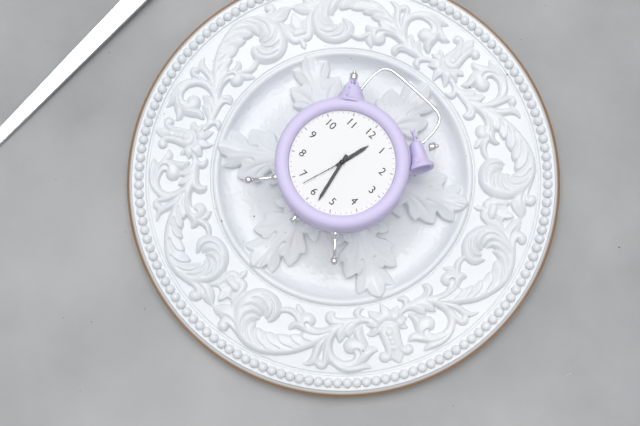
12:28:33
